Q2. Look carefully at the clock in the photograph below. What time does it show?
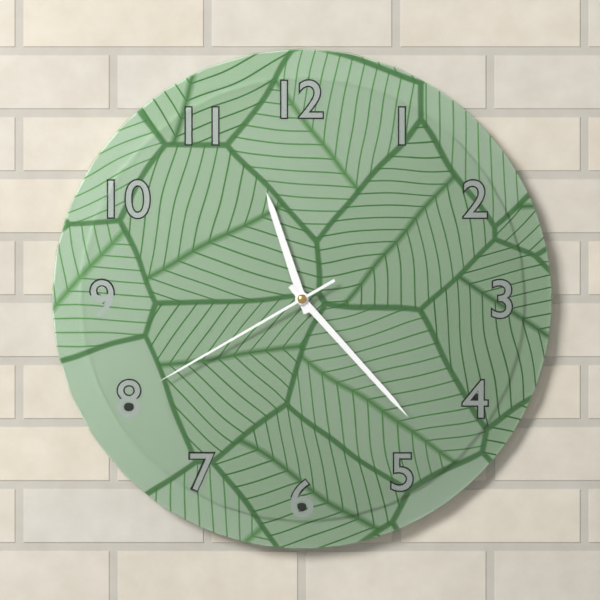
11:23:40
